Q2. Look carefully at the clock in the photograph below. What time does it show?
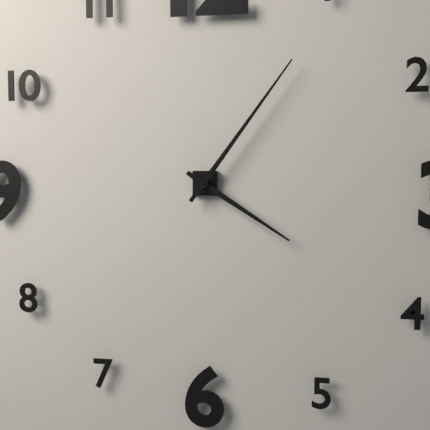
4:06
